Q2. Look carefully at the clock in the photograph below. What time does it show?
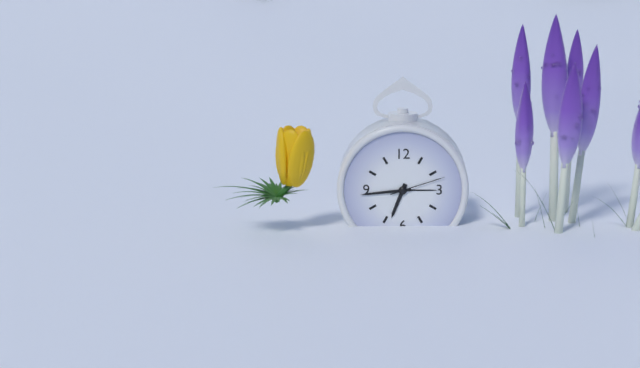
6:44:12
